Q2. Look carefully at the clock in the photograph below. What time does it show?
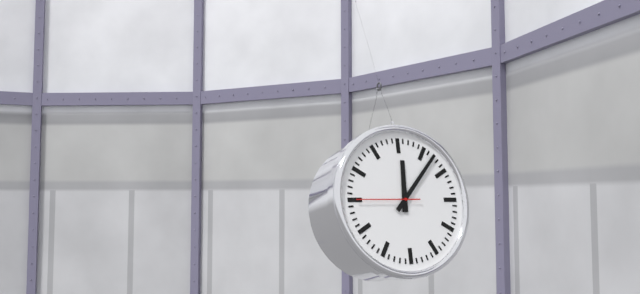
12:07:45
